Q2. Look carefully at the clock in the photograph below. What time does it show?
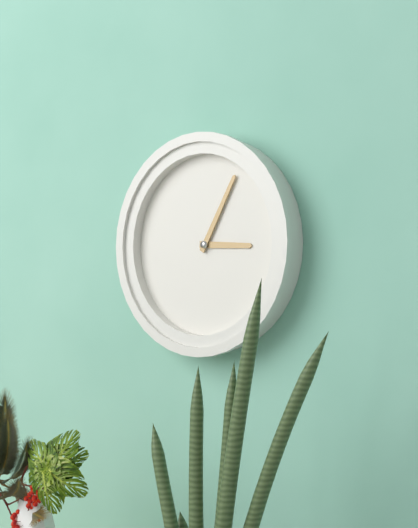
3:05
